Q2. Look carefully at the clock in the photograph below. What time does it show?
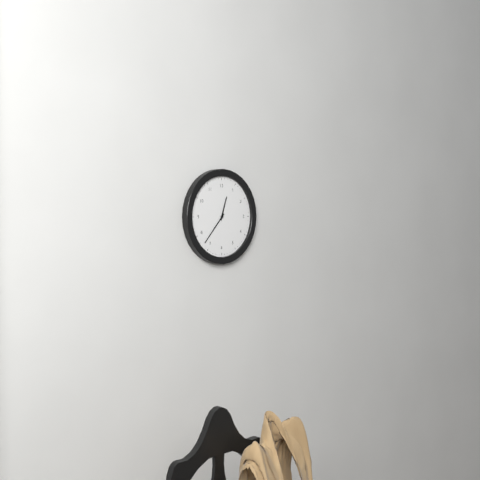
12:37
